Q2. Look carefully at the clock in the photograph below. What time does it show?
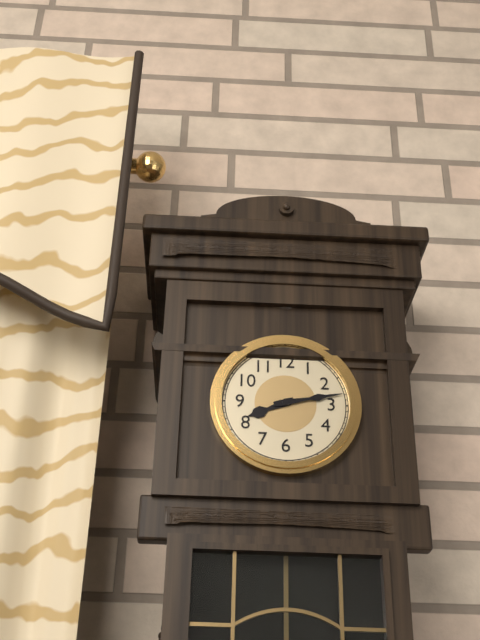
8:13
